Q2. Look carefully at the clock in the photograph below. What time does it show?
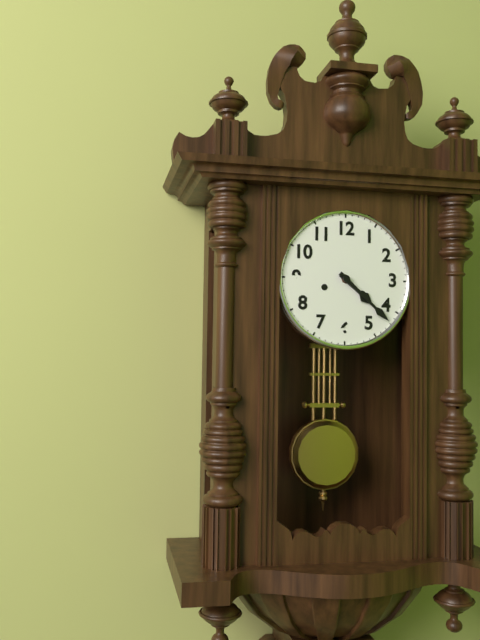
4:22
